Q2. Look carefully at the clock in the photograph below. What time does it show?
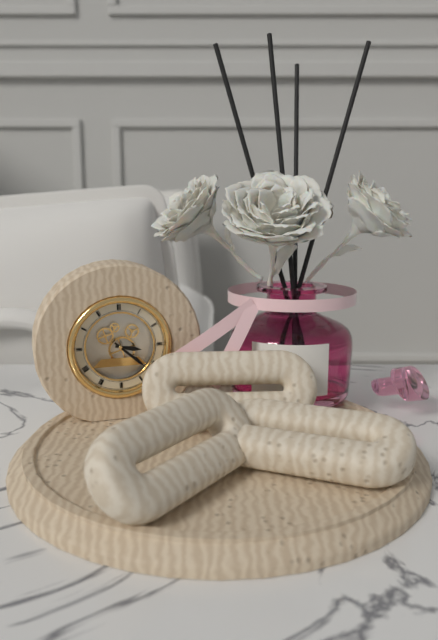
3:22
